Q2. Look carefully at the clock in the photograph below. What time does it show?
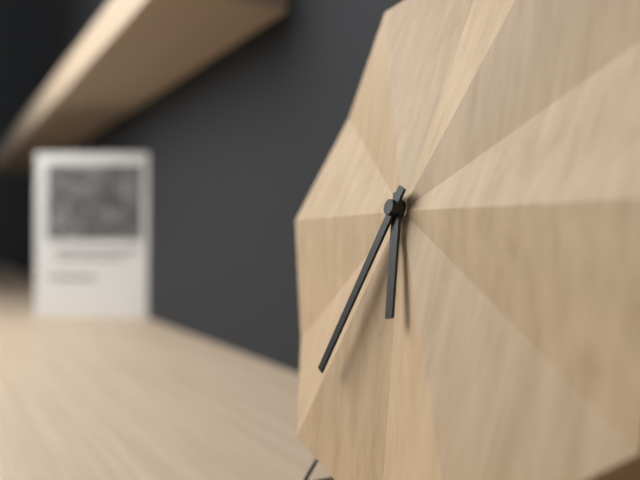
5:34
